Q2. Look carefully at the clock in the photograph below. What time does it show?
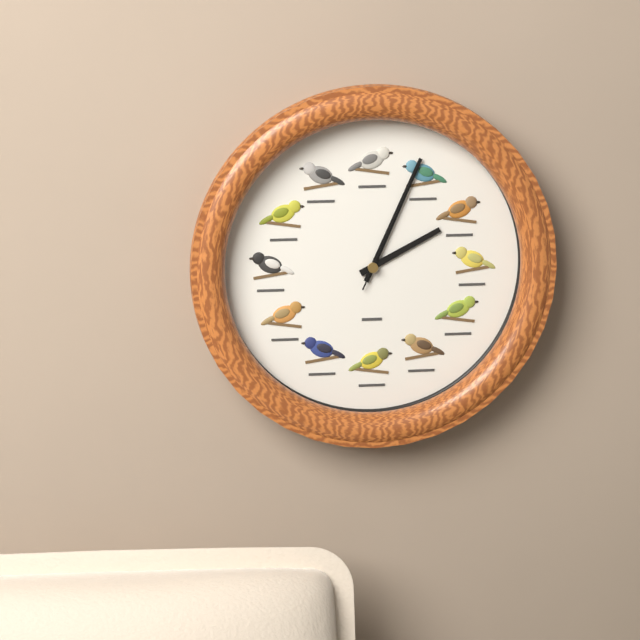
2:04:04
